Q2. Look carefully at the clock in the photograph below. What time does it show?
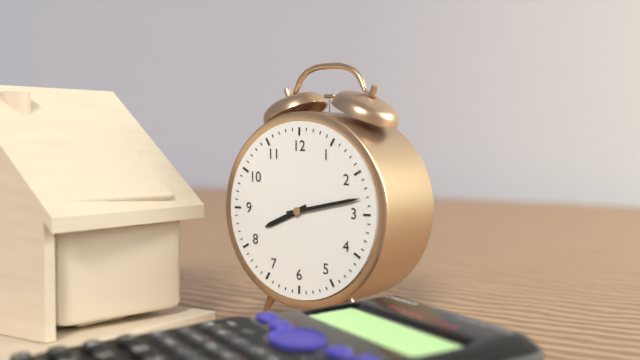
8:13
